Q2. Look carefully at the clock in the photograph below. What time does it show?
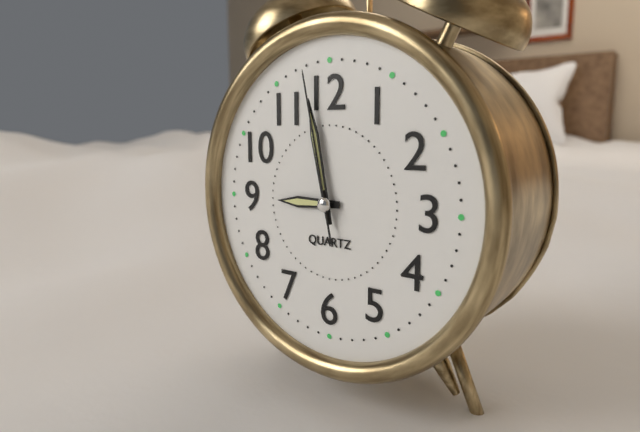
8:58:58
